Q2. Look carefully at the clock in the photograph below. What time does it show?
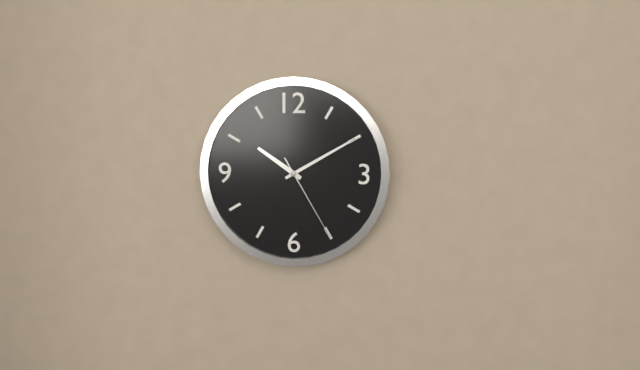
10:10:25
